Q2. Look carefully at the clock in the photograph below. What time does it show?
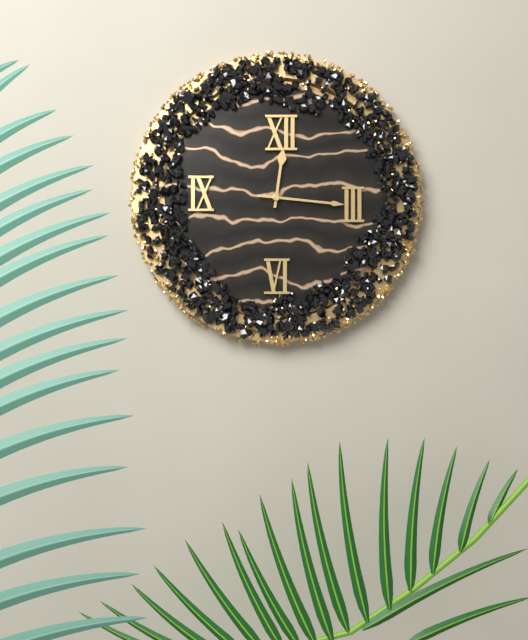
12:16
